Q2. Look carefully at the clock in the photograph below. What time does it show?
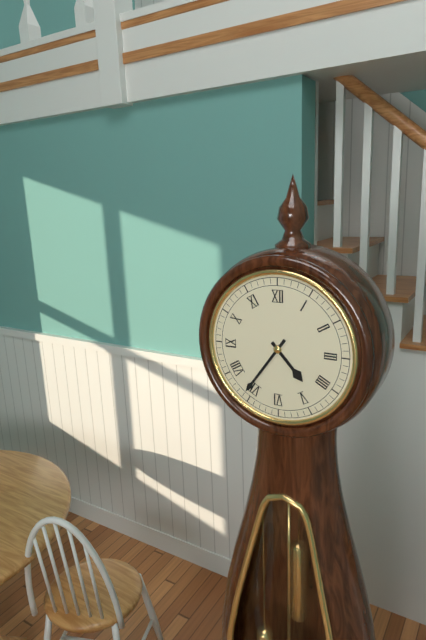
4:36
